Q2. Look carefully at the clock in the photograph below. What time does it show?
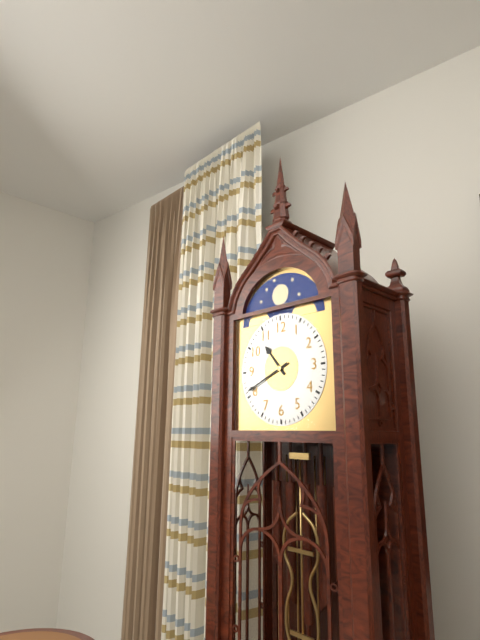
10:41
